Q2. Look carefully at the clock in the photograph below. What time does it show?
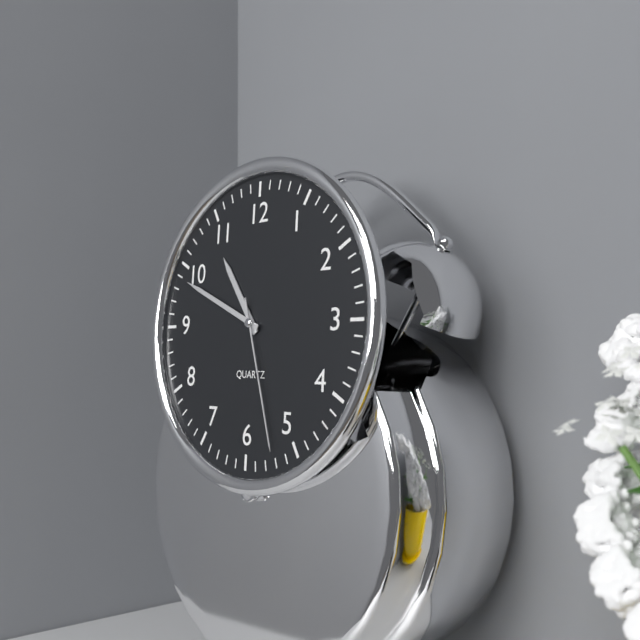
10:49:27
